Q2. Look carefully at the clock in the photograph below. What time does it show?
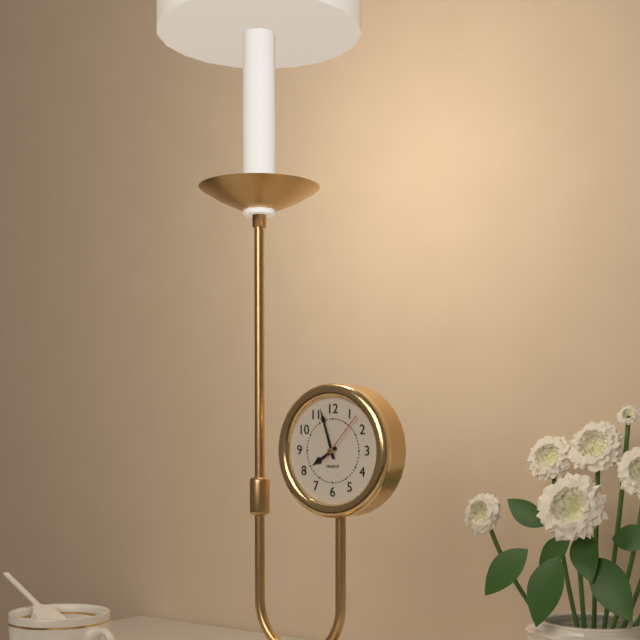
7:57:07
